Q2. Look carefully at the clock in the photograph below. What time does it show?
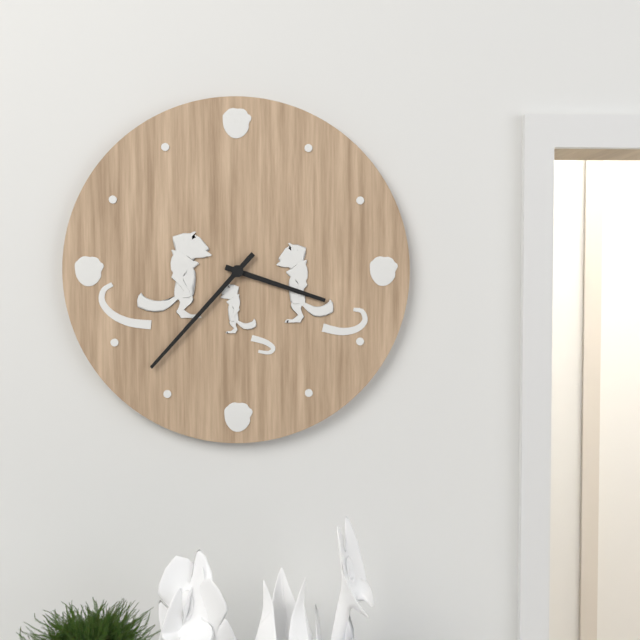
3:37
